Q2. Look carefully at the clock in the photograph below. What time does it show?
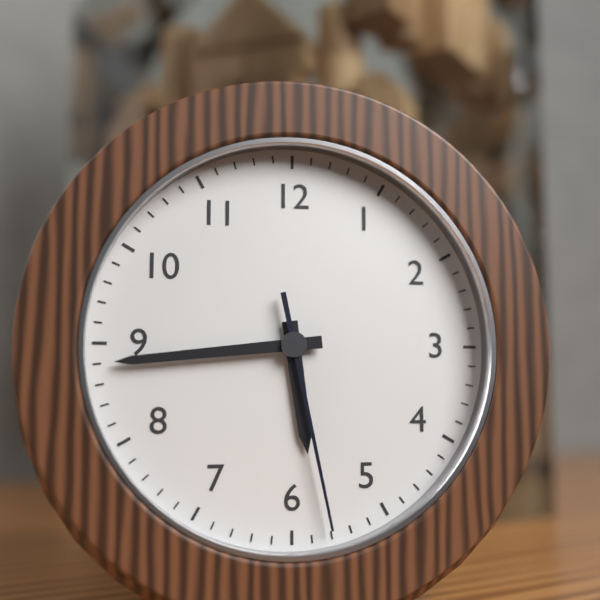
5:44:28
